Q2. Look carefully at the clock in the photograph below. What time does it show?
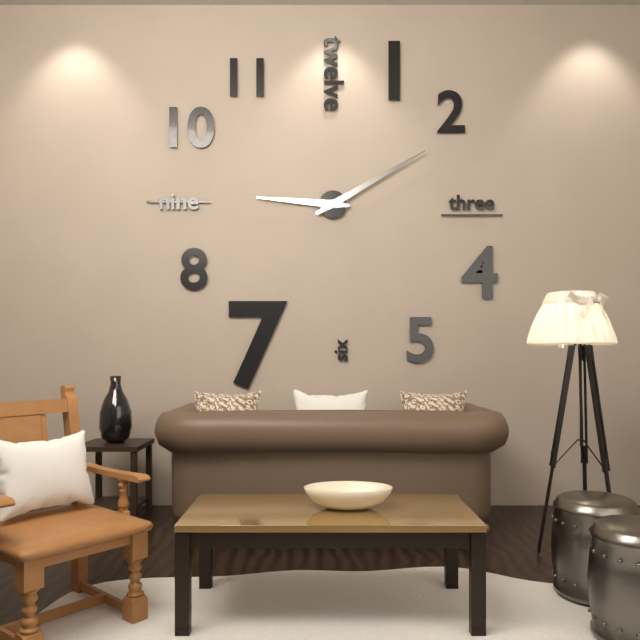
9:10
